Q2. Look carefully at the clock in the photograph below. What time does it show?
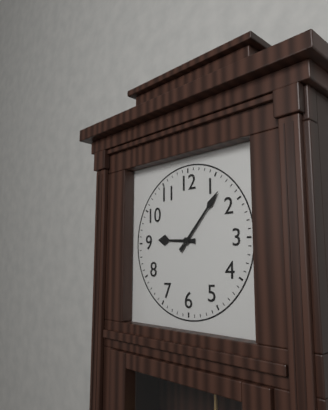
9:07
